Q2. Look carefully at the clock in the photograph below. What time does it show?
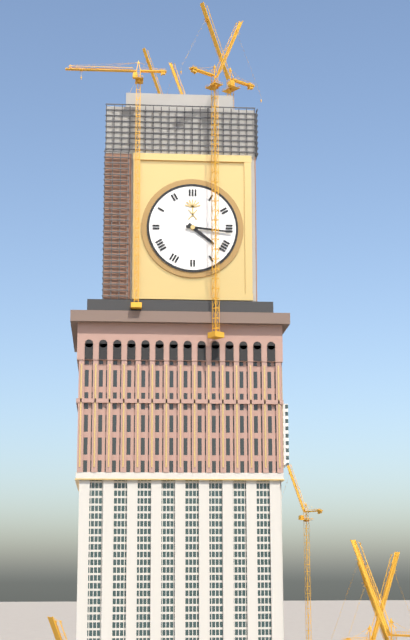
4:16
